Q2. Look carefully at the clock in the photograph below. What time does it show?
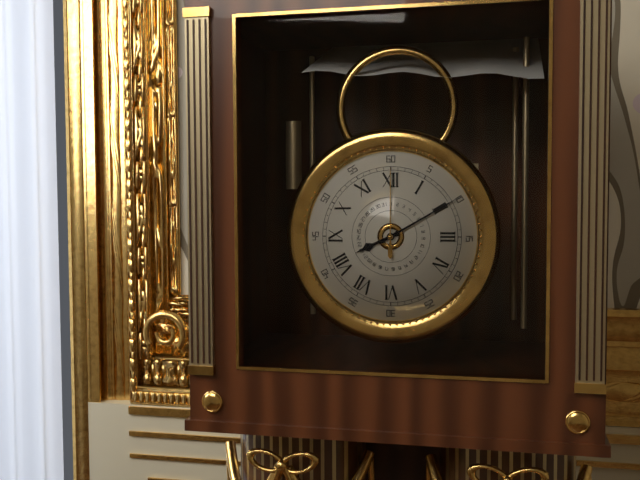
8:10:00
